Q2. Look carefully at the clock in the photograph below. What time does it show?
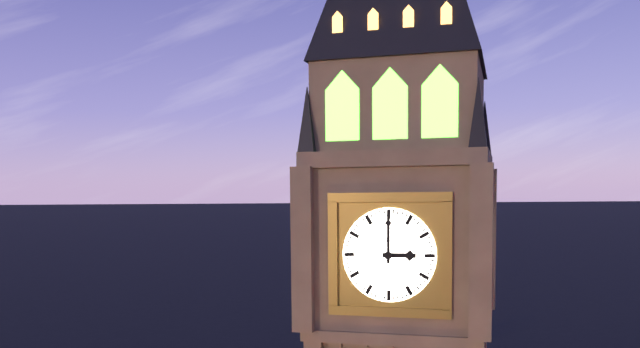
3:00
